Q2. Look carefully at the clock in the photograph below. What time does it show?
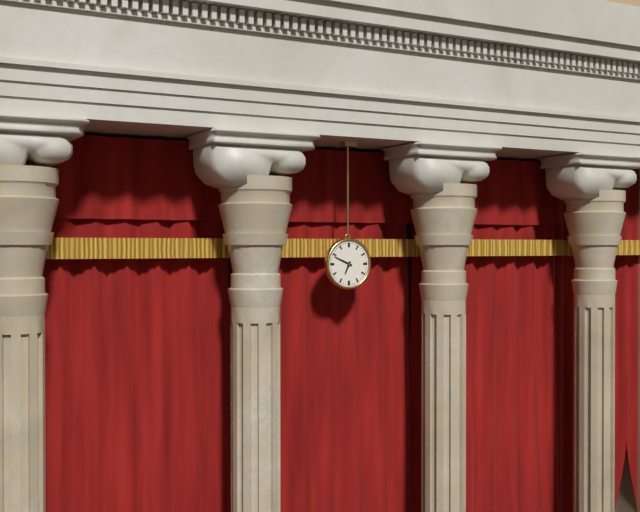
6:49
